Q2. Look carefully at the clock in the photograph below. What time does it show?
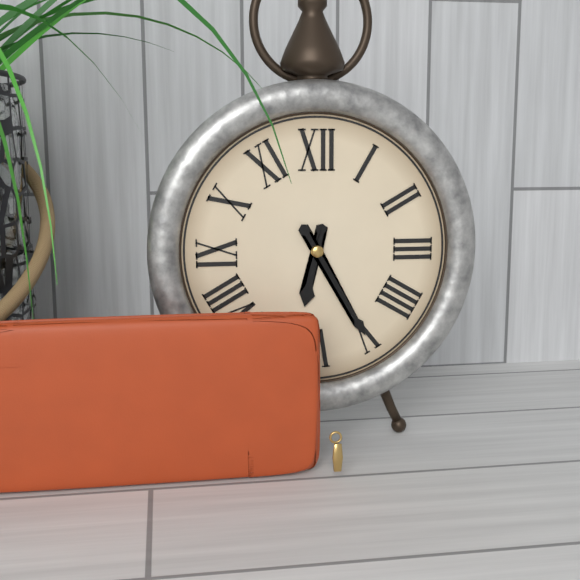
6:25
